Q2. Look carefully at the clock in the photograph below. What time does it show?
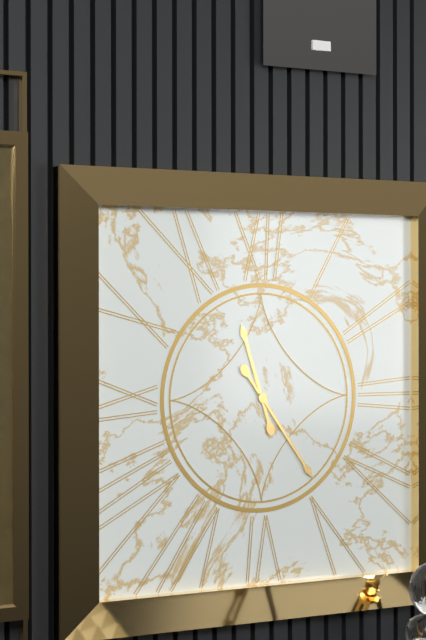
11:24
